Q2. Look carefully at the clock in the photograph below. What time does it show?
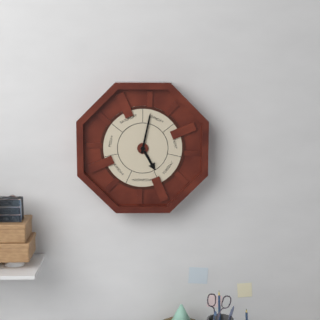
5:02
